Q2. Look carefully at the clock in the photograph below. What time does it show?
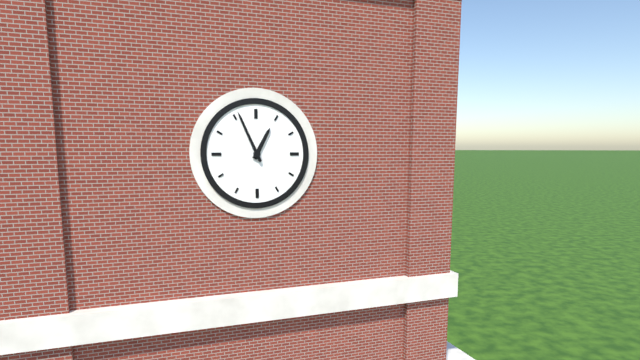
12:56
